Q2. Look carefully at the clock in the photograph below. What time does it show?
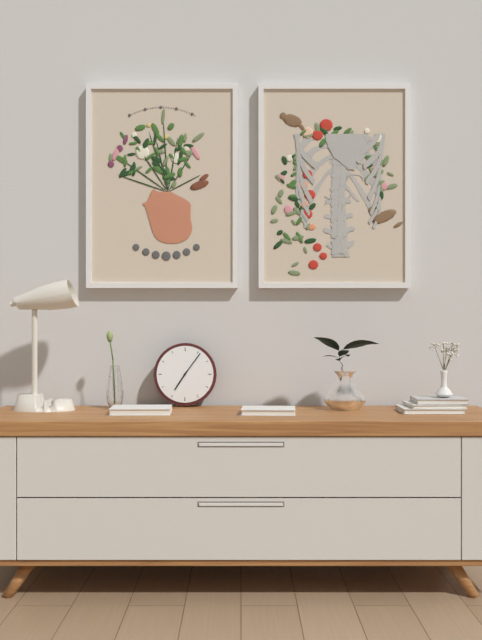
7:06
